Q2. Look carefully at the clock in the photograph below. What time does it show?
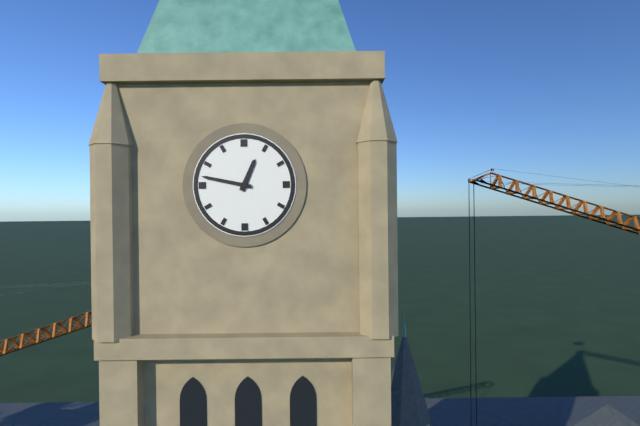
12:47
